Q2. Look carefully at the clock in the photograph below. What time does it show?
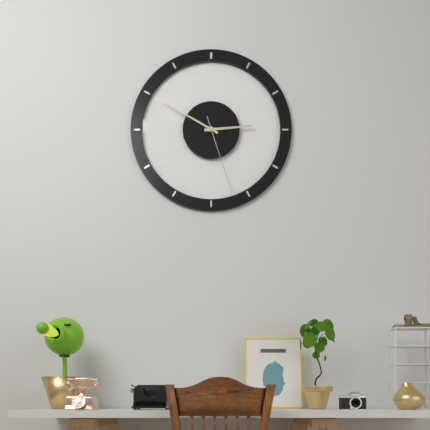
2:50:27
